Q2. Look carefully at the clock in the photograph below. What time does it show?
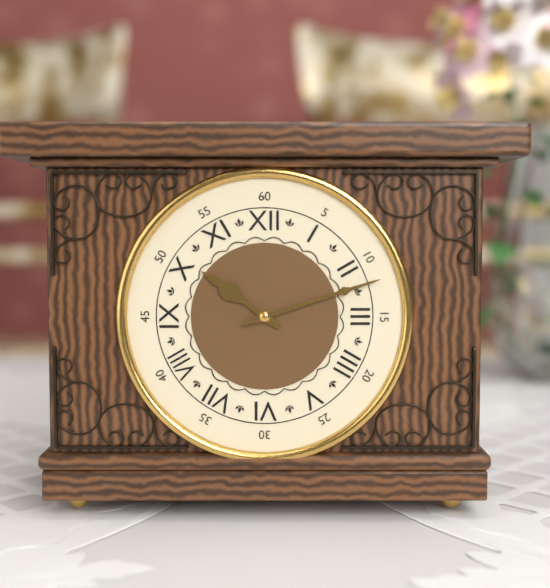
10:12
